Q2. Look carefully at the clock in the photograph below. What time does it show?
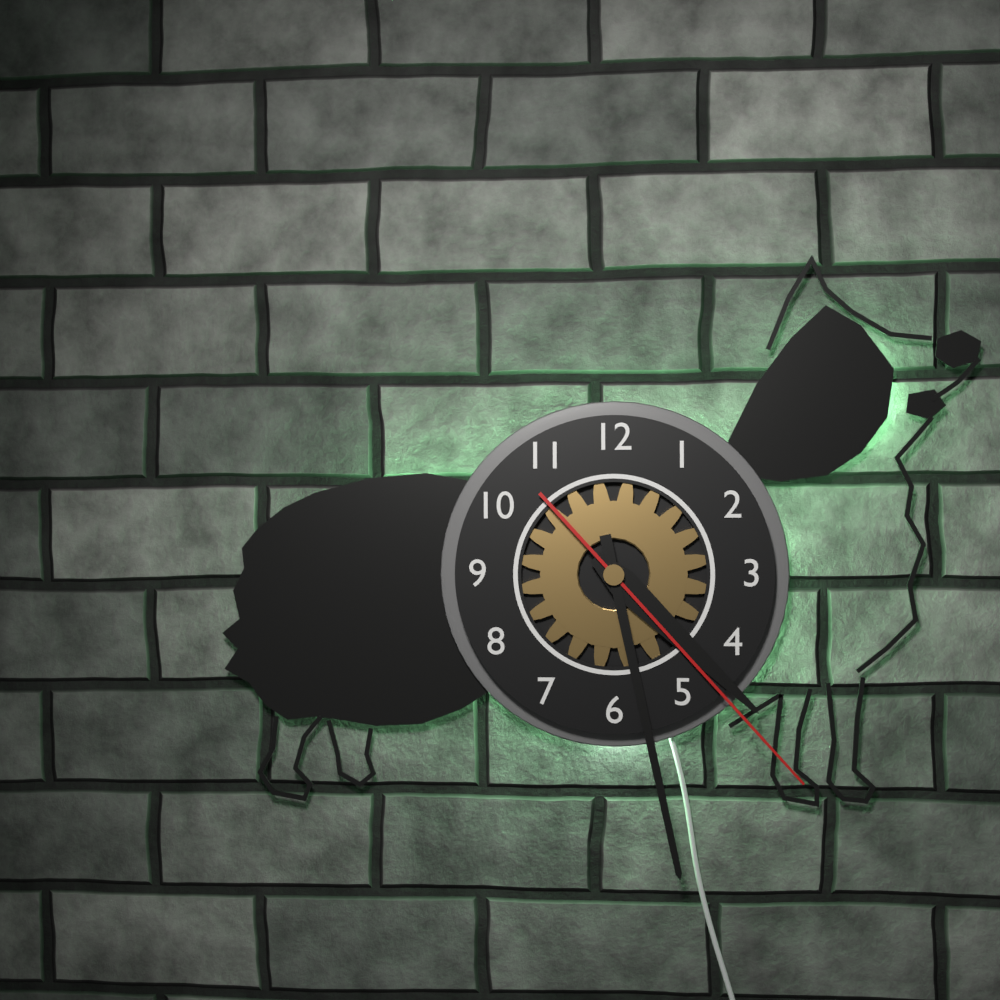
4:28:23
